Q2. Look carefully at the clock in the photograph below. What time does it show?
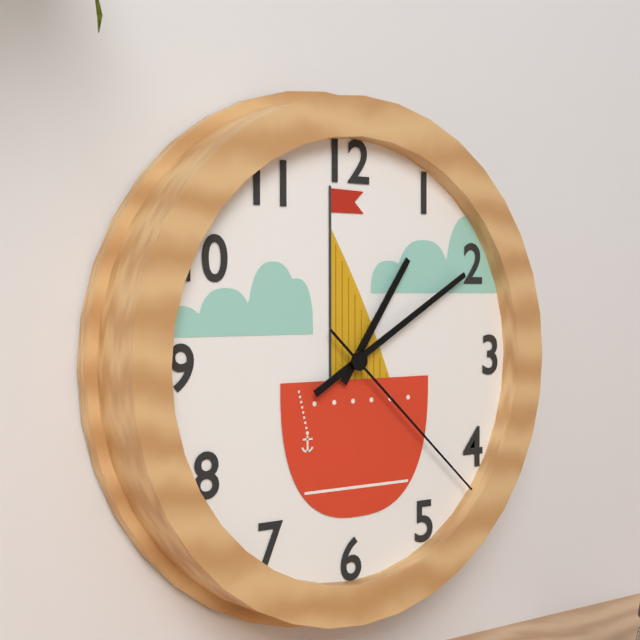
1:10:22
